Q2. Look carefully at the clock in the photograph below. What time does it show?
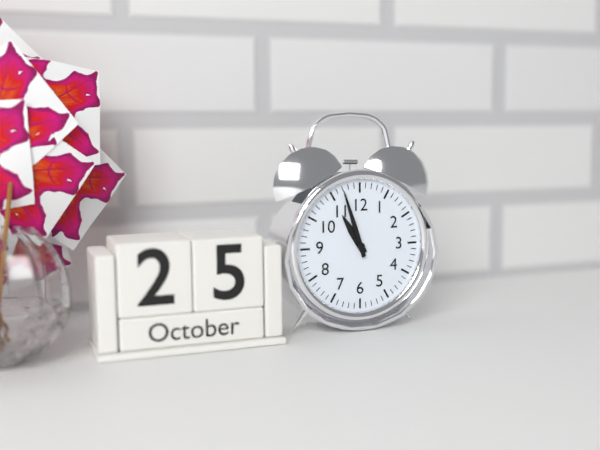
10:57
